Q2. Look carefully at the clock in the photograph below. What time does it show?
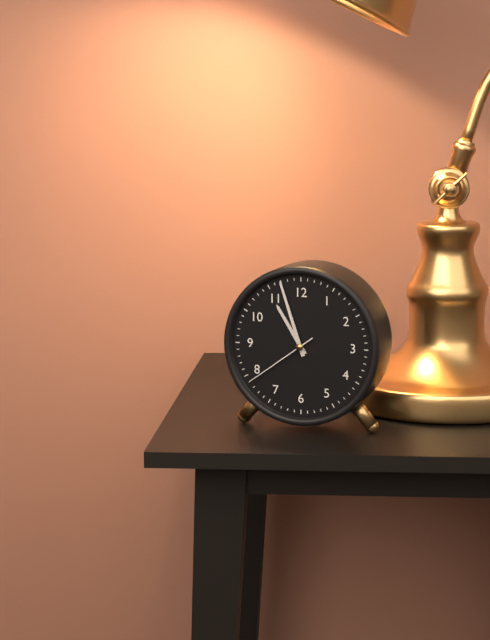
10:57:39
